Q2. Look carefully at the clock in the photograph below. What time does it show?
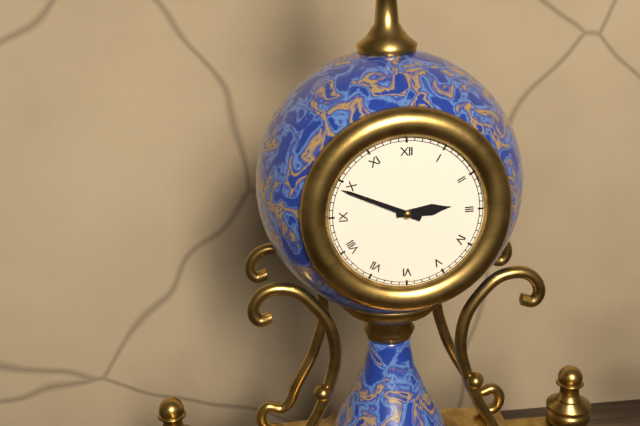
2:49
